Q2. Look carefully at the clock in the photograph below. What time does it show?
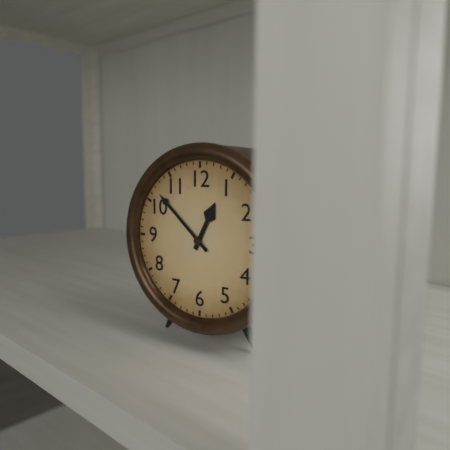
12:52
